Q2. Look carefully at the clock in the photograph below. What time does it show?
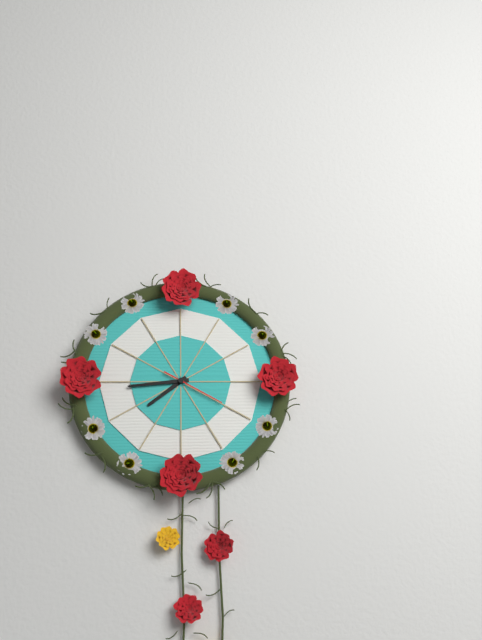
7:44:20
